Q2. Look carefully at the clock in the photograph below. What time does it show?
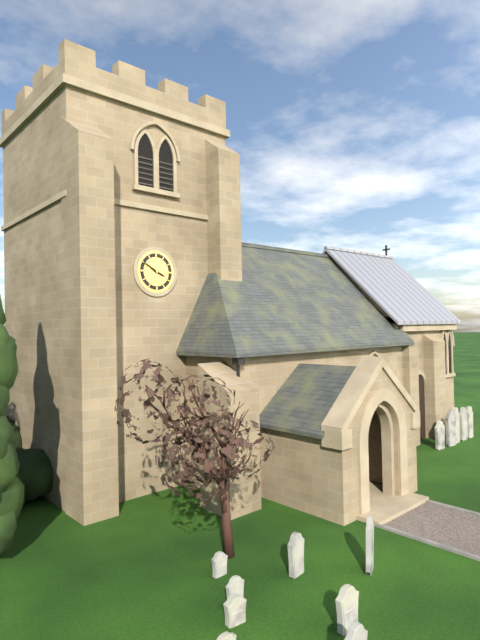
3:50
